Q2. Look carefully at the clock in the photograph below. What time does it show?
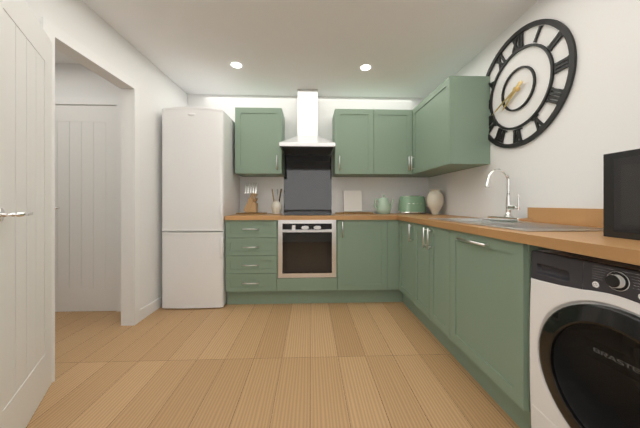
7:41
